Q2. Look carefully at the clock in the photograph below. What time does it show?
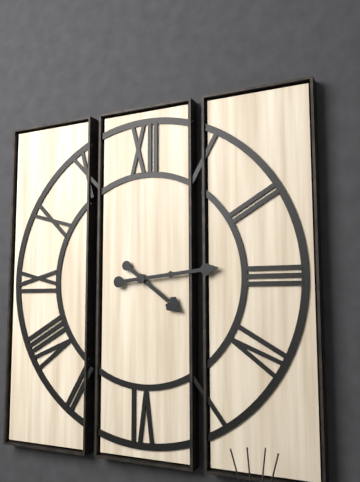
4:14
